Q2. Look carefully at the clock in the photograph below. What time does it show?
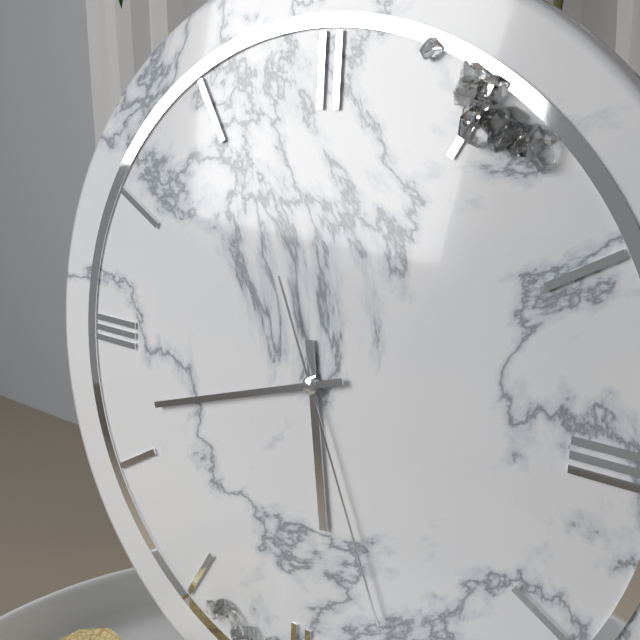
5:42:26
